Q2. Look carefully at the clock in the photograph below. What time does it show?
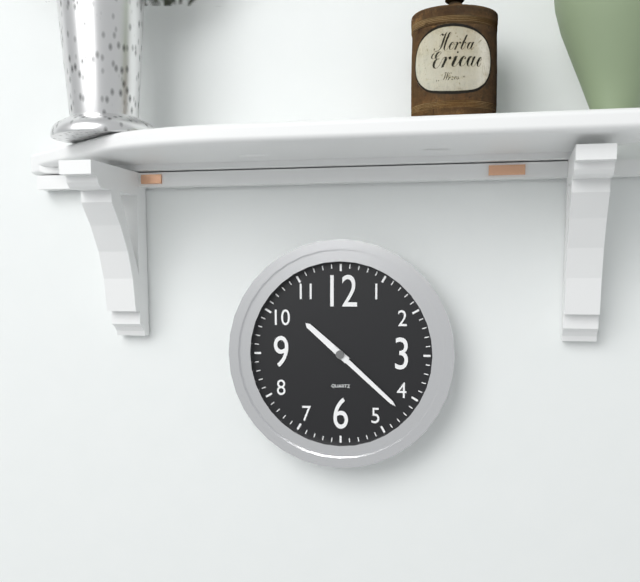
10:22
